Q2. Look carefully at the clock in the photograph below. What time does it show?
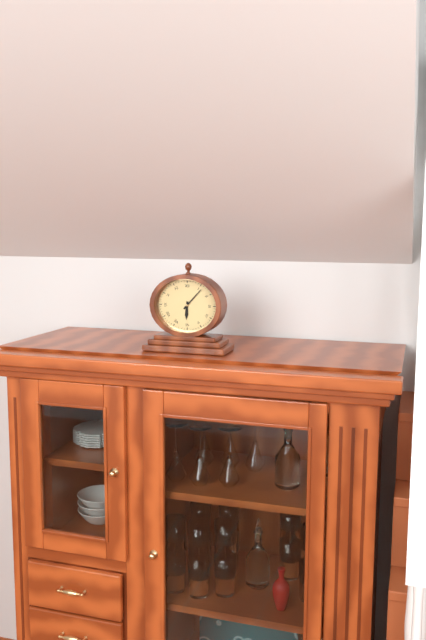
6:07
